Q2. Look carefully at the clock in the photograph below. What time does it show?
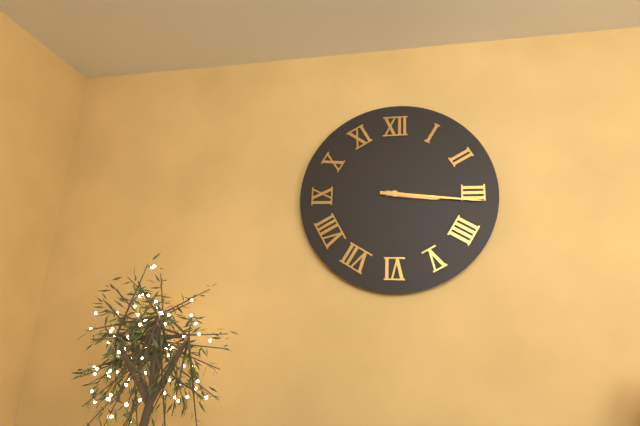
3:16
